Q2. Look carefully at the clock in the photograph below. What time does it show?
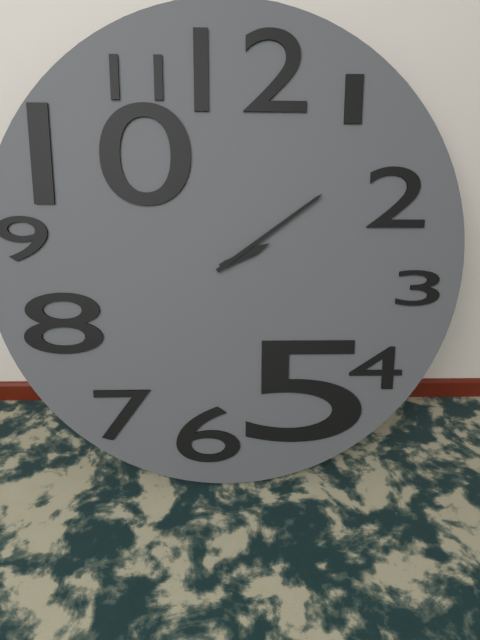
2:09
